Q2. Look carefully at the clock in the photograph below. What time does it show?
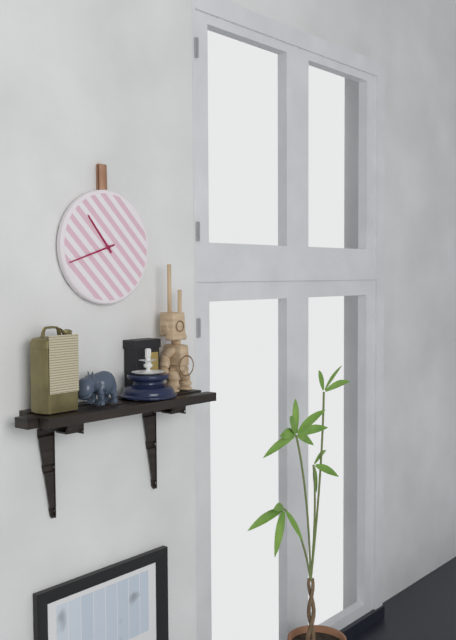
10:42
